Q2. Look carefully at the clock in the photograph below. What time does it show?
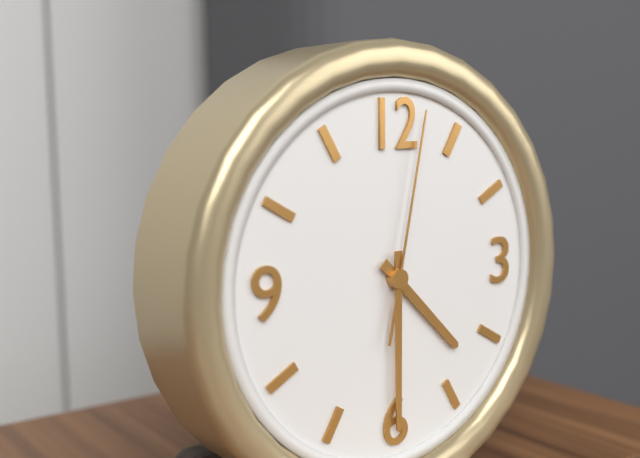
4:30:02
